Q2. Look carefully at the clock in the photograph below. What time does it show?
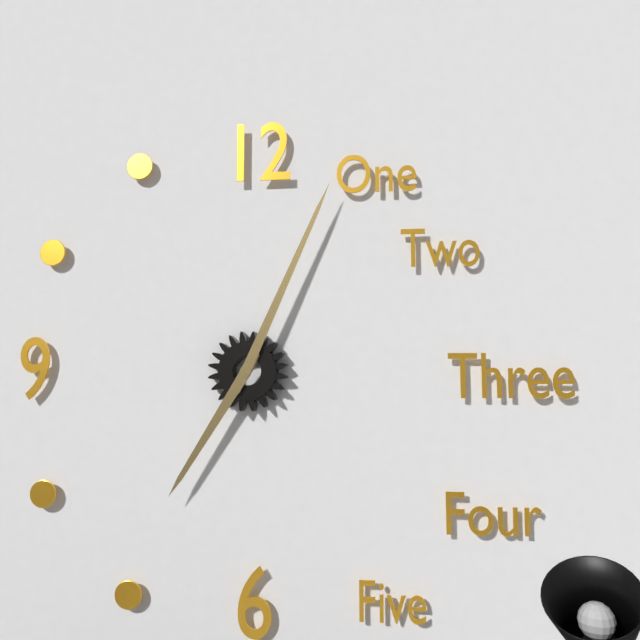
7:04
